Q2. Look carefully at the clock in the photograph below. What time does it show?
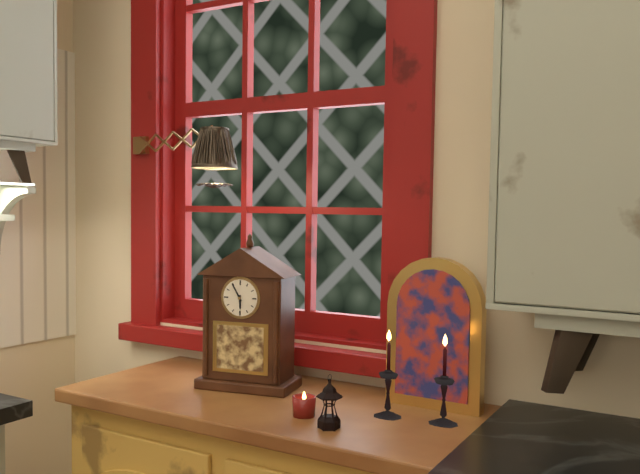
5:55
